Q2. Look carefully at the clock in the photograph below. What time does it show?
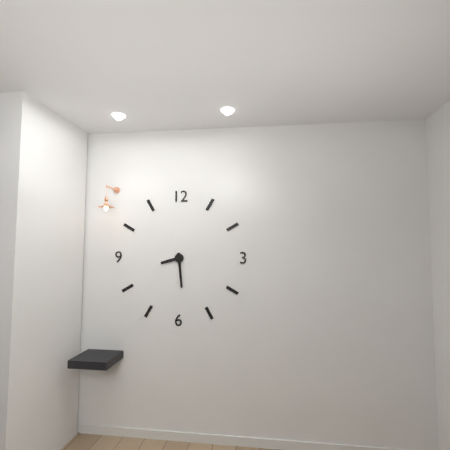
8:29
